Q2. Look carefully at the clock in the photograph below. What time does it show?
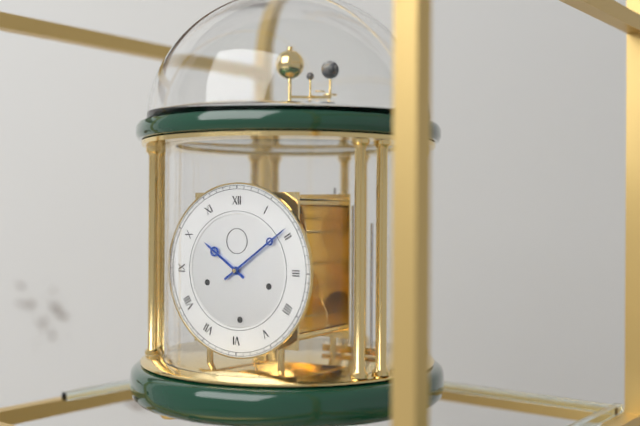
10:09
